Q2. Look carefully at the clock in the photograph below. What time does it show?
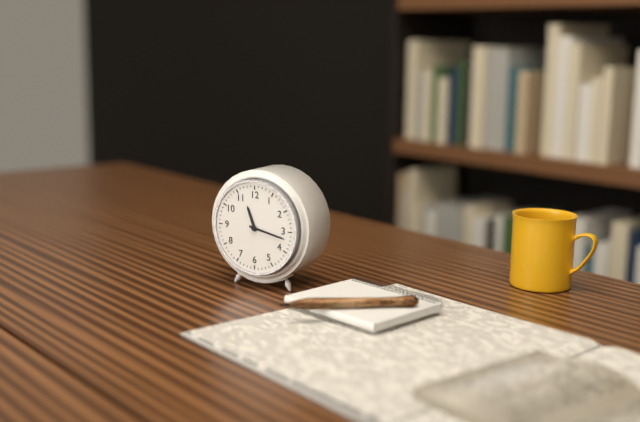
11:17
